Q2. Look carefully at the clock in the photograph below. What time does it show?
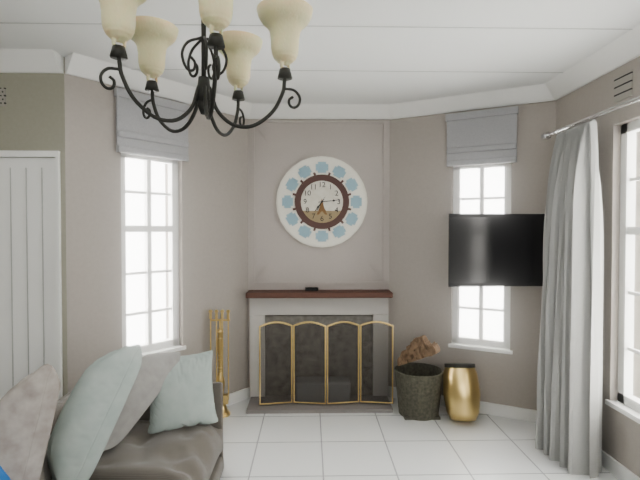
7:14
